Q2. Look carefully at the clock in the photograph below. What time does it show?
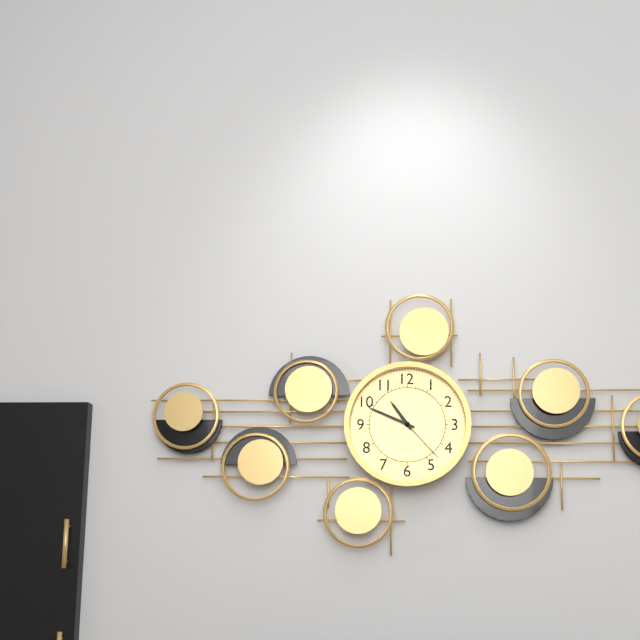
10:49:23
